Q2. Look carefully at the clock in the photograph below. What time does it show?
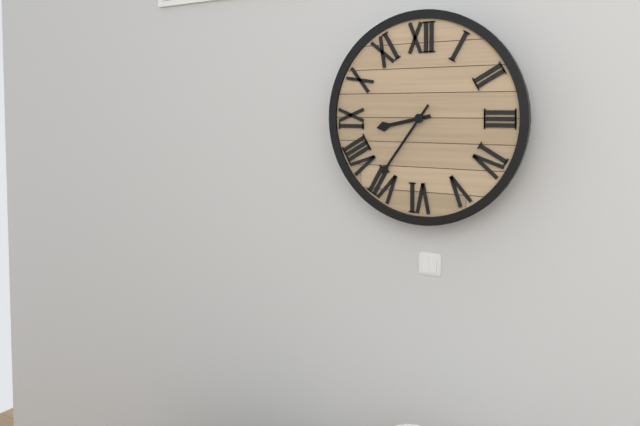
8:36
